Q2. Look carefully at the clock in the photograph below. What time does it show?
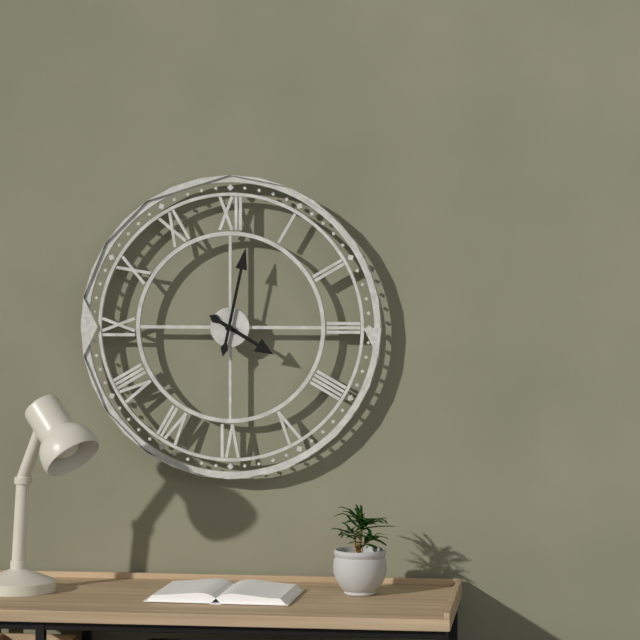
4:02
